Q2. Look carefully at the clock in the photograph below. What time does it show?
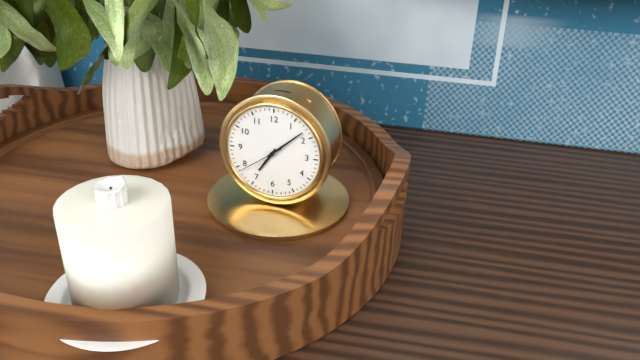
7:08
